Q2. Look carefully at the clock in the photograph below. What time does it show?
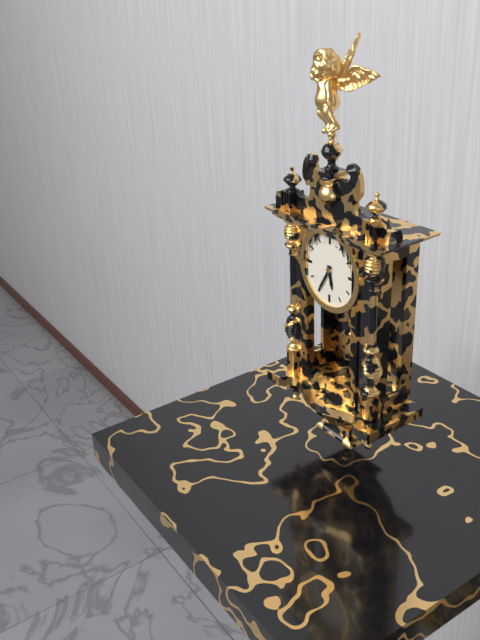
5:35
